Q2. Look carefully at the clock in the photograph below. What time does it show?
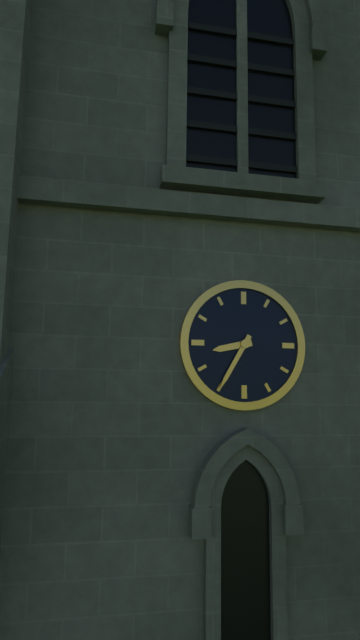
8:35
